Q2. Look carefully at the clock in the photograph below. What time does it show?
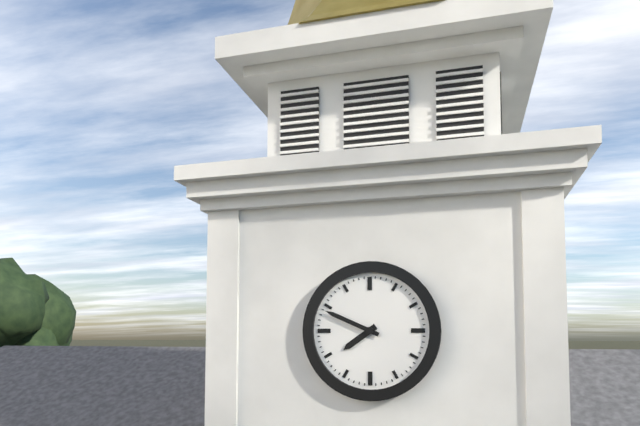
7:49
